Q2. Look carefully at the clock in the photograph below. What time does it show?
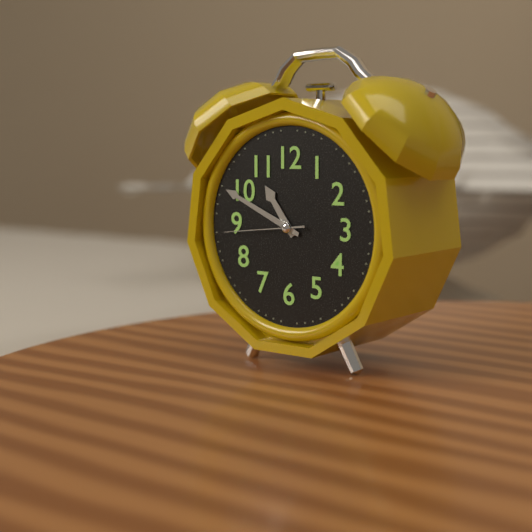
10:49:44
